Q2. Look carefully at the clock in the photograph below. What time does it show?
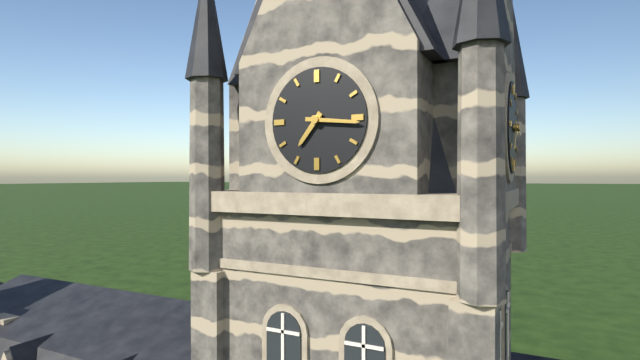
7:16
